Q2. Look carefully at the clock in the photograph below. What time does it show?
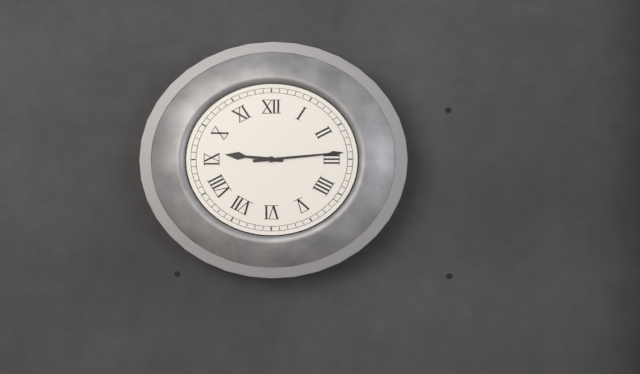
9:14
